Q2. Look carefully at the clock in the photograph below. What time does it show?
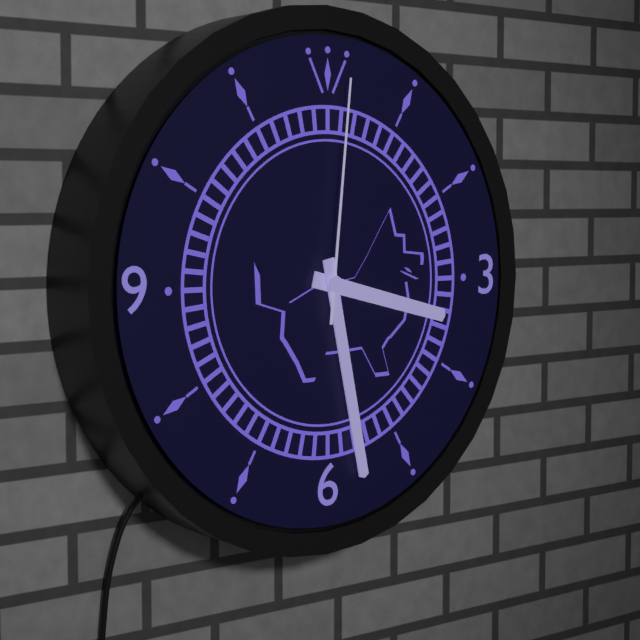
3:28:01
